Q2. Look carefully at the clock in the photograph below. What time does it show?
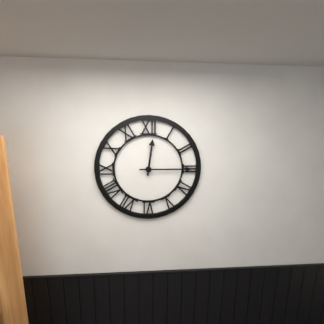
12:15
